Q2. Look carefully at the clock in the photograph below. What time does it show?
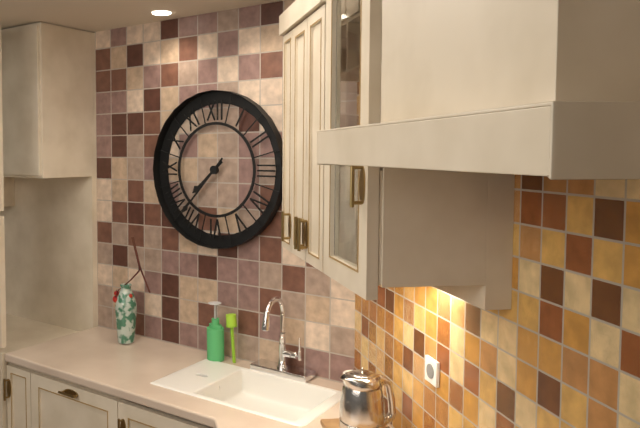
7:37
